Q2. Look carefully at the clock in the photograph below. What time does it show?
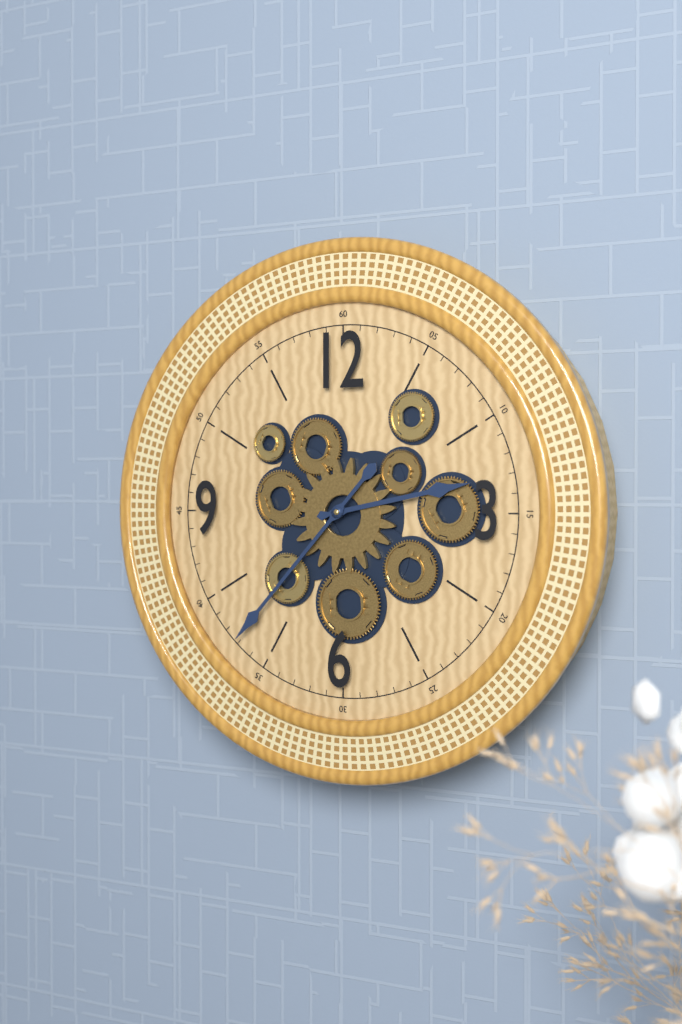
2:37
